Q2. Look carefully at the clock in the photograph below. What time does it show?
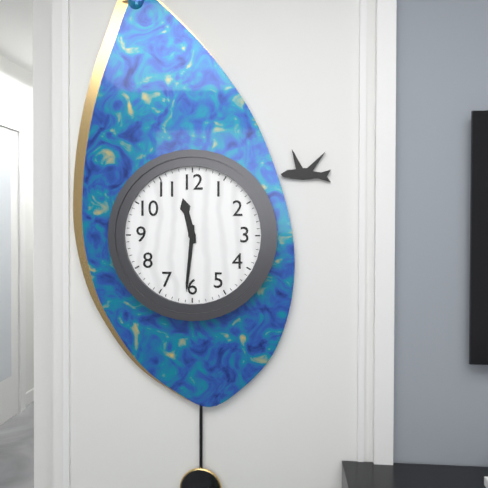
11:31
